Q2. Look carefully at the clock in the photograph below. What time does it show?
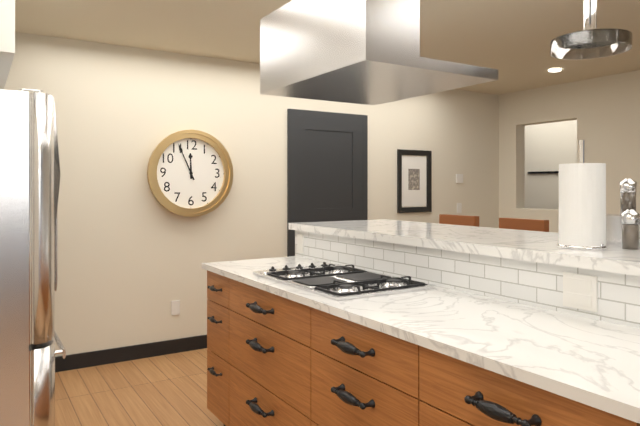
11:56
